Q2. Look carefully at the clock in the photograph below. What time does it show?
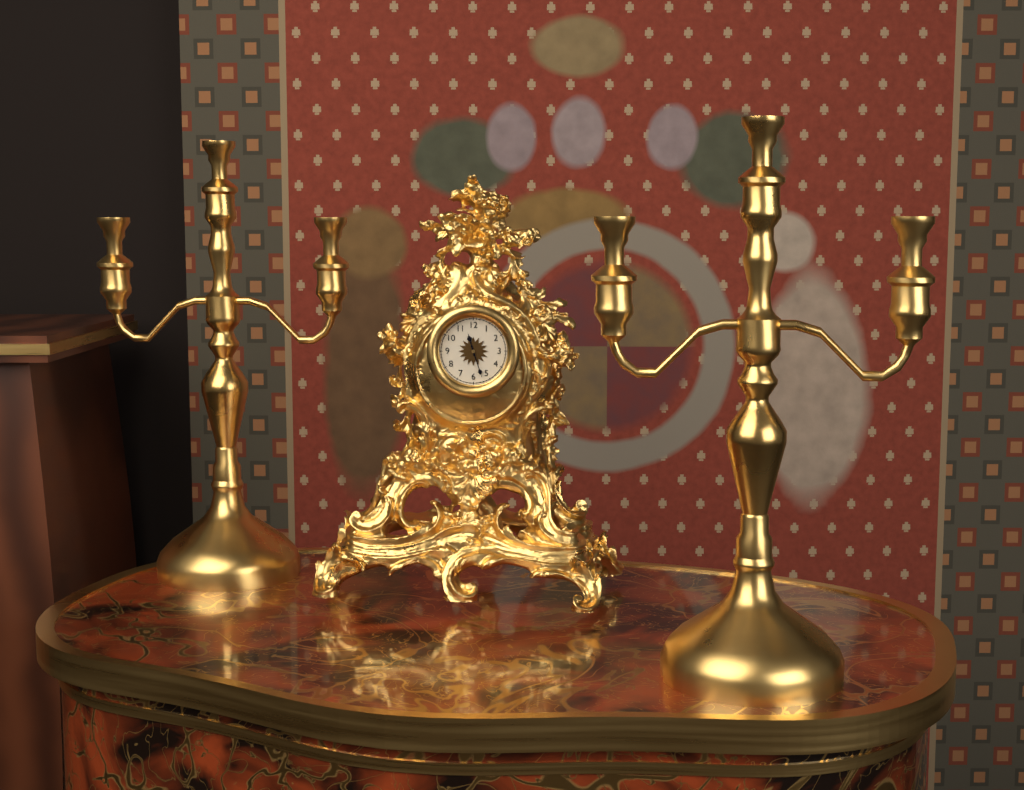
11:27
